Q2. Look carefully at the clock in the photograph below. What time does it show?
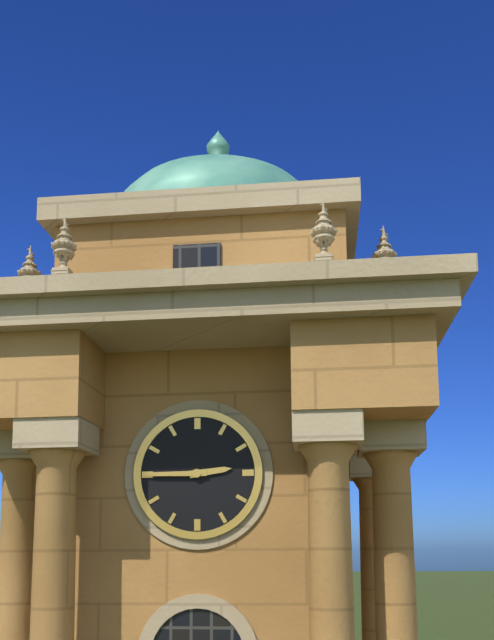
2:45
